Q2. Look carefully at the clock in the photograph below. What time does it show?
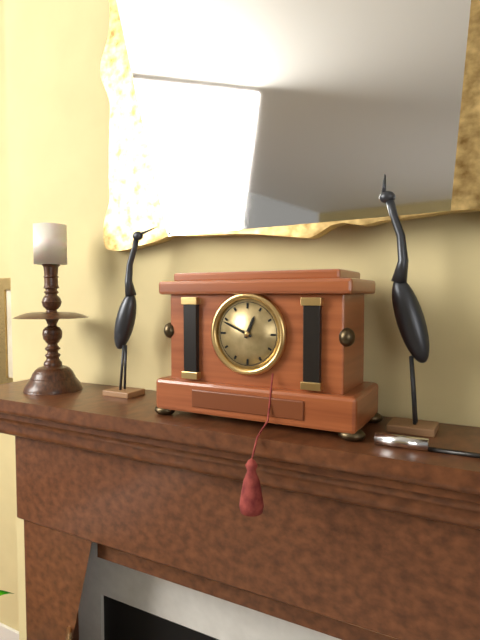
12:49
